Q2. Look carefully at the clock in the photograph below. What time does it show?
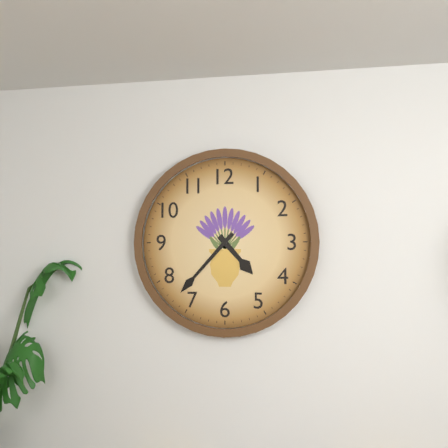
4:37
